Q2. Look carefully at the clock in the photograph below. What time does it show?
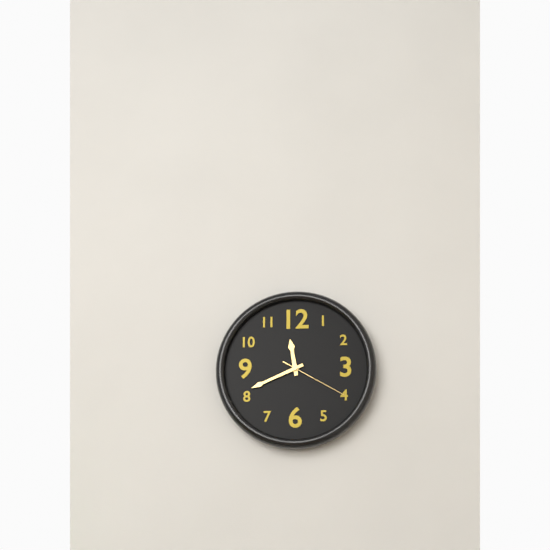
11:41:20
